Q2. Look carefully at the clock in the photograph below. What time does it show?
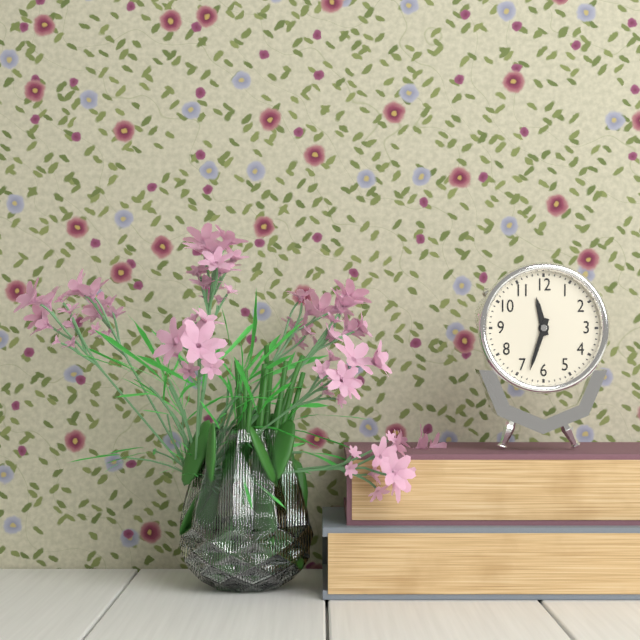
11:33
